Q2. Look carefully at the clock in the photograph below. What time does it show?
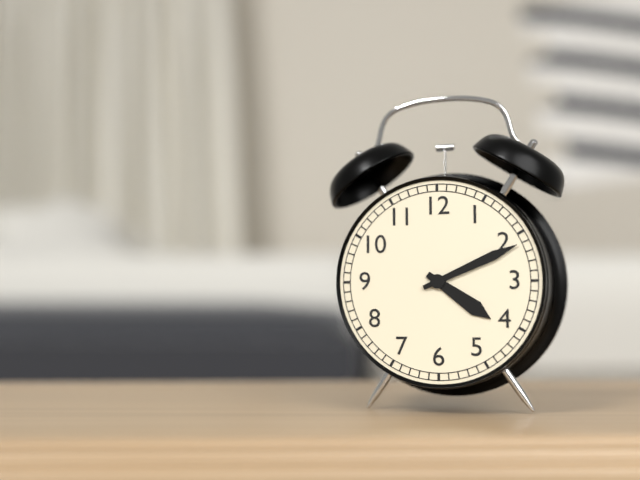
4:11
